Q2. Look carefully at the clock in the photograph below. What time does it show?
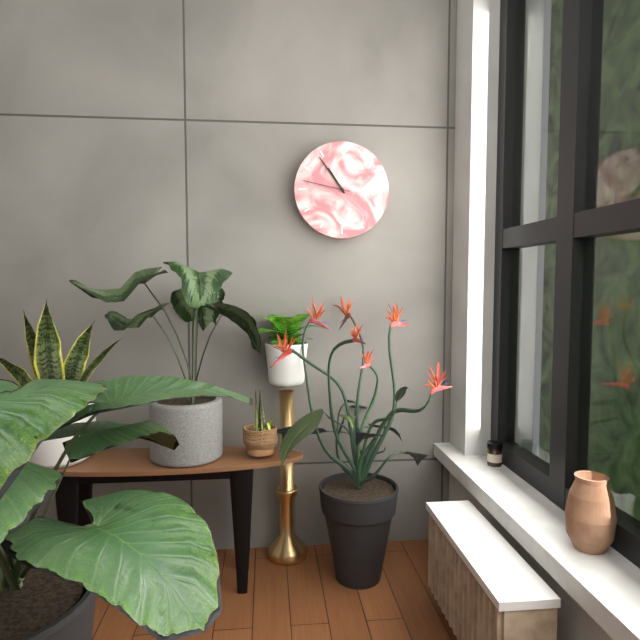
10:54:47
